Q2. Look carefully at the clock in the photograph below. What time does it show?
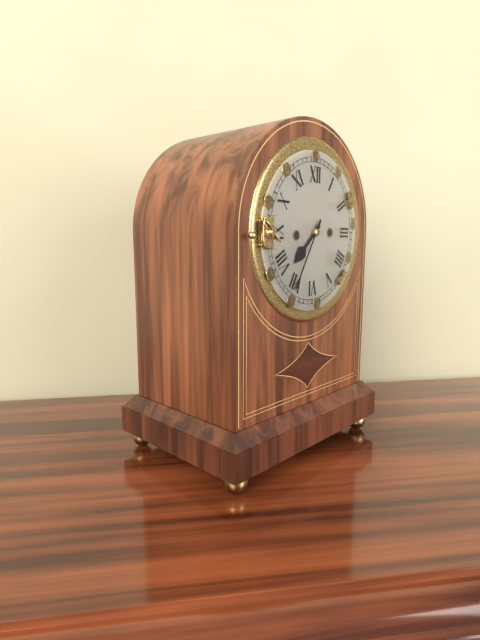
7:35
